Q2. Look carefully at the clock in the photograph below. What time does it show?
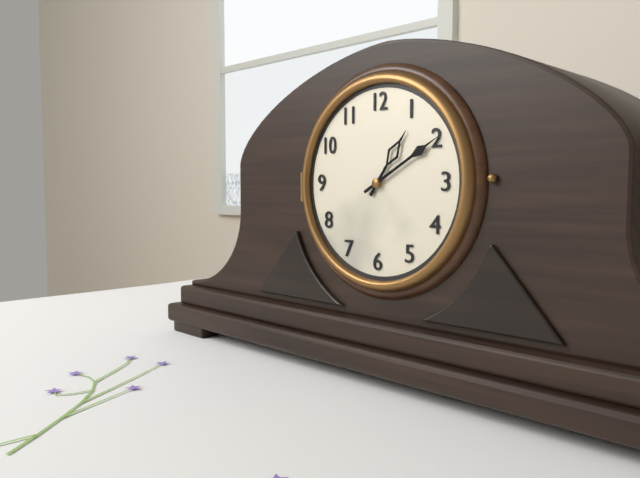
1:10
